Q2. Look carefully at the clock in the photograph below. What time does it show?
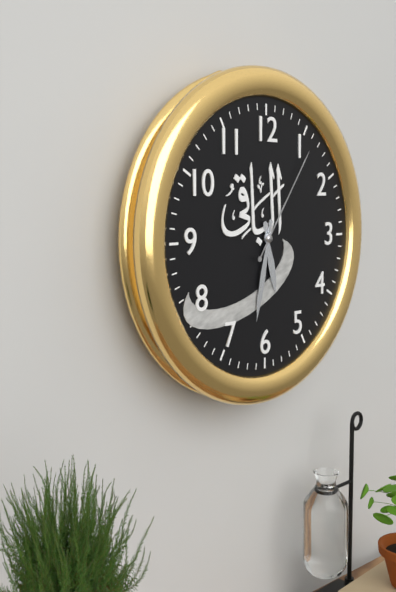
5:32:06
